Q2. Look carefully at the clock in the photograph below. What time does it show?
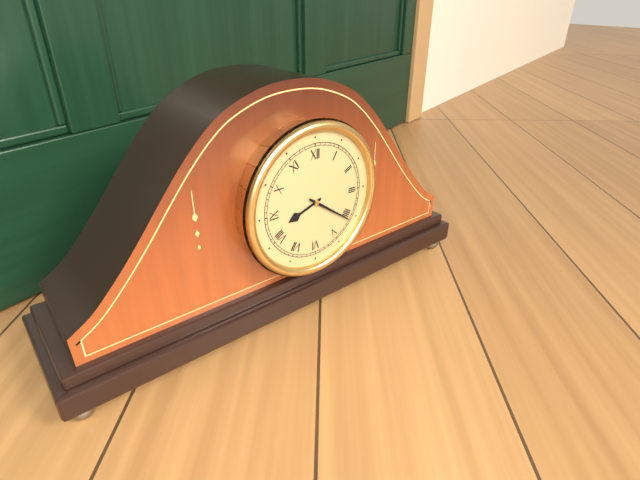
8:21
